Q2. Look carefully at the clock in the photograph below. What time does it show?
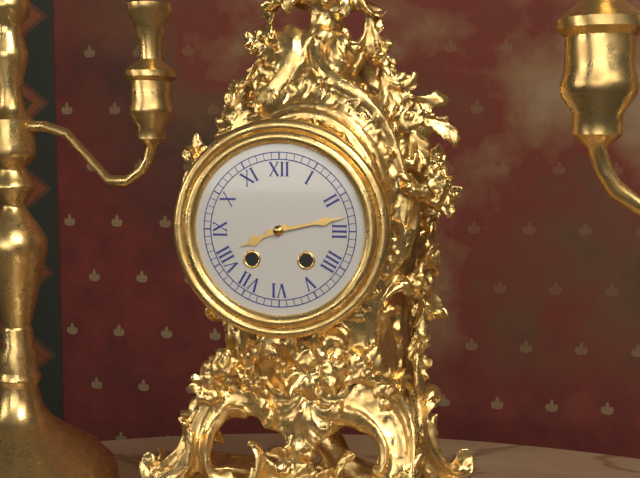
8:13
